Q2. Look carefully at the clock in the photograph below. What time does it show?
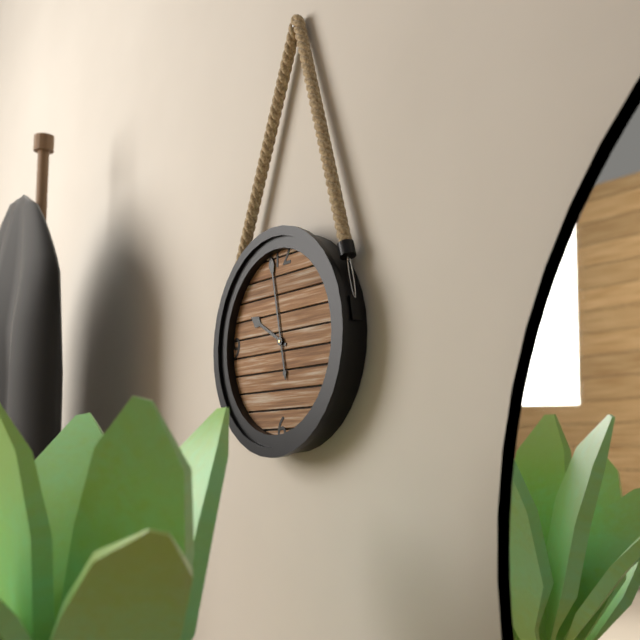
9:58
